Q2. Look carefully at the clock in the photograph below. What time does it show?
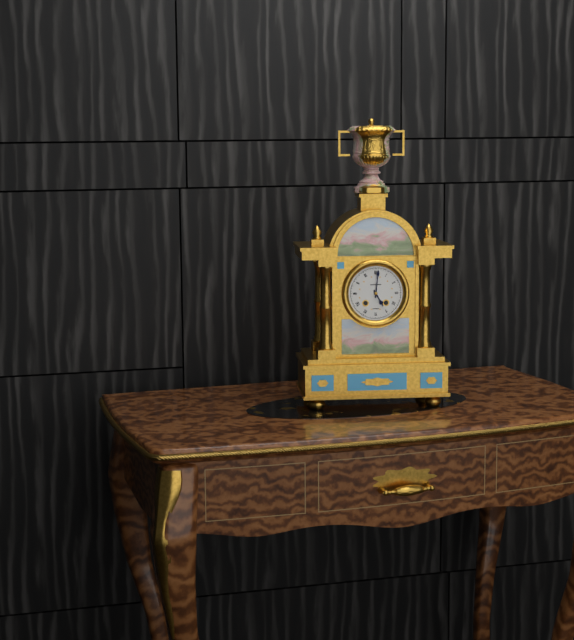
5:01
